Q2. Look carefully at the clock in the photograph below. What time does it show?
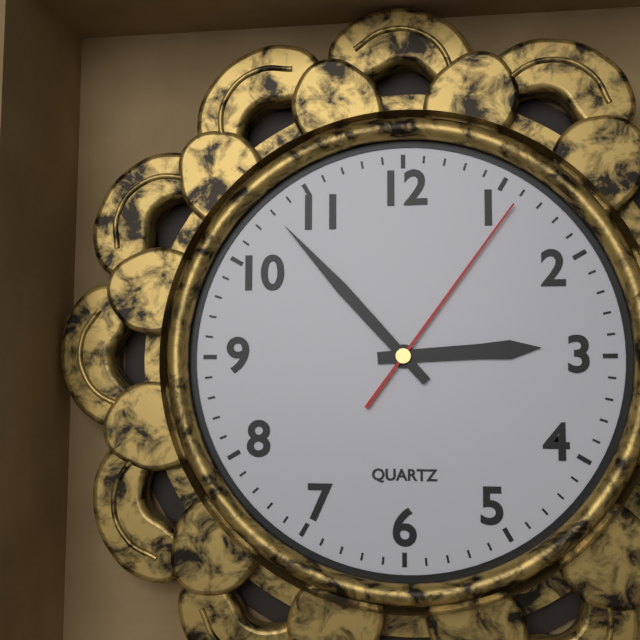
2:53:06
